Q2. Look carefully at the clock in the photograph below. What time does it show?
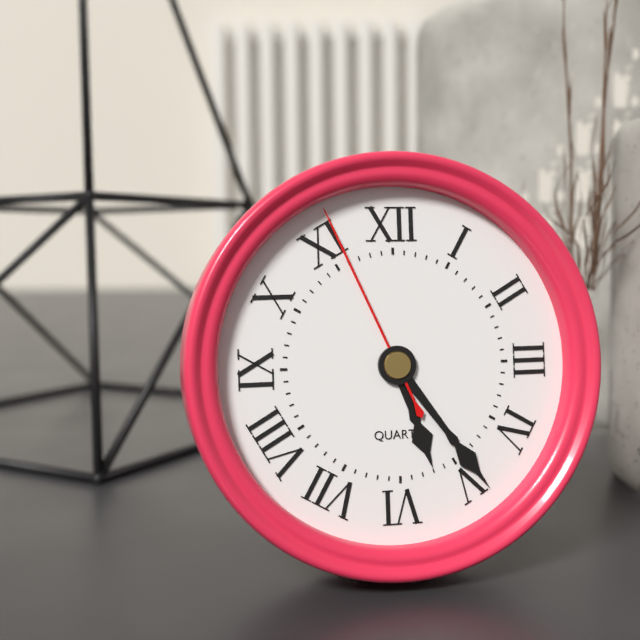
5:24:56
